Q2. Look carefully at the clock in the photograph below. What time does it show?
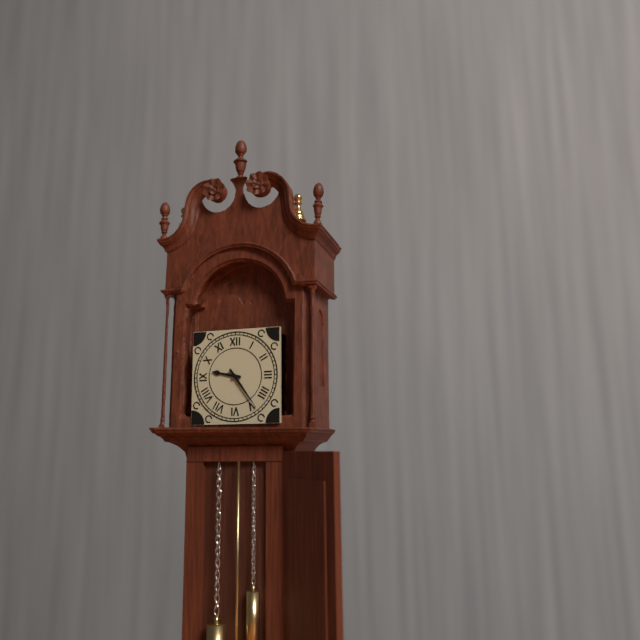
9:24
